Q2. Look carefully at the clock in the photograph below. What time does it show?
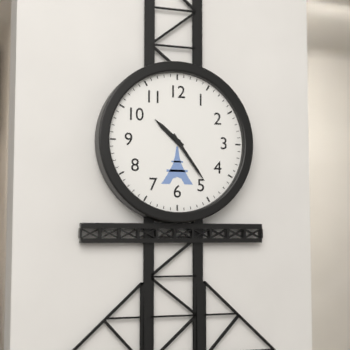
10:24
